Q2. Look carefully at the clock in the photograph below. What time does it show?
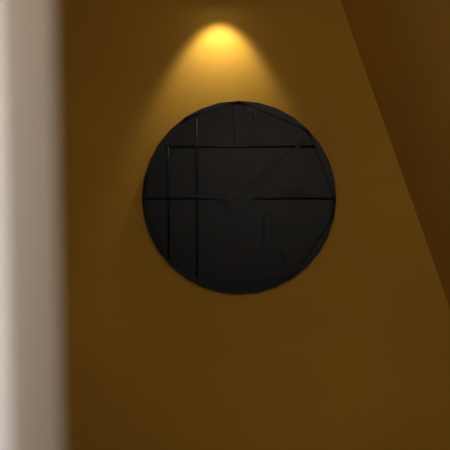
9:08
